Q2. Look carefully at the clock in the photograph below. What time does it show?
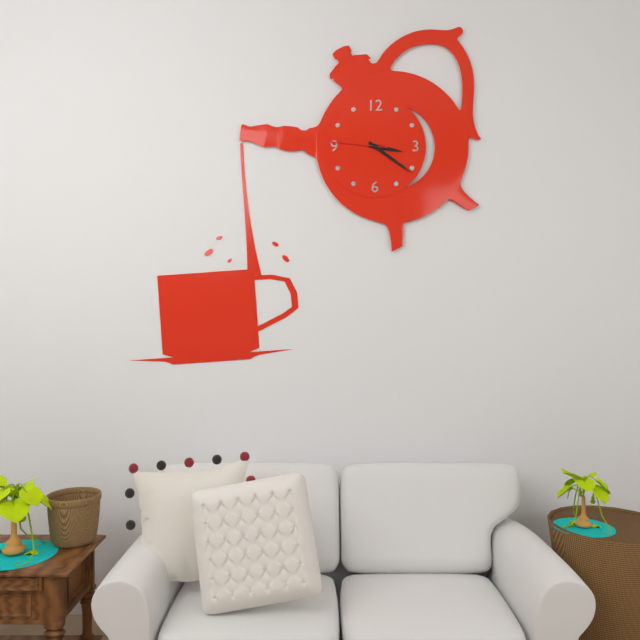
3:21:46
